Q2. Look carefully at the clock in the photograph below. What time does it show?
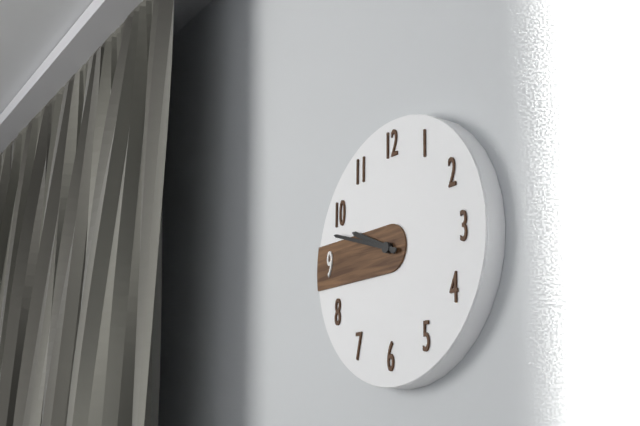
9:48
